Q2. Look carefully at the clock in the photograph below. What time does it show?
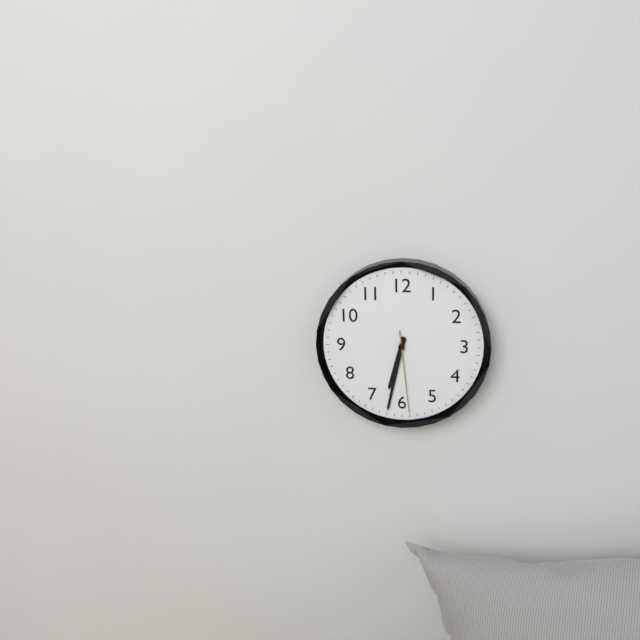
6:32:29
